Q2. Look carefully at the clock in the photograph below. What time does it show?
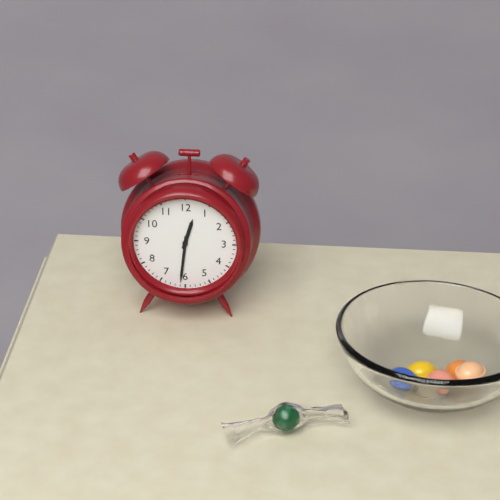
12:31
